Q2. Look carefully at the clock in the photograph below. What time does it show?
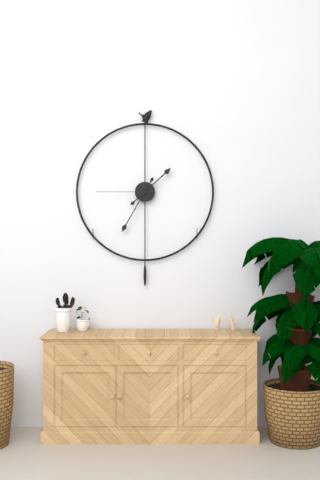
1:35:45
